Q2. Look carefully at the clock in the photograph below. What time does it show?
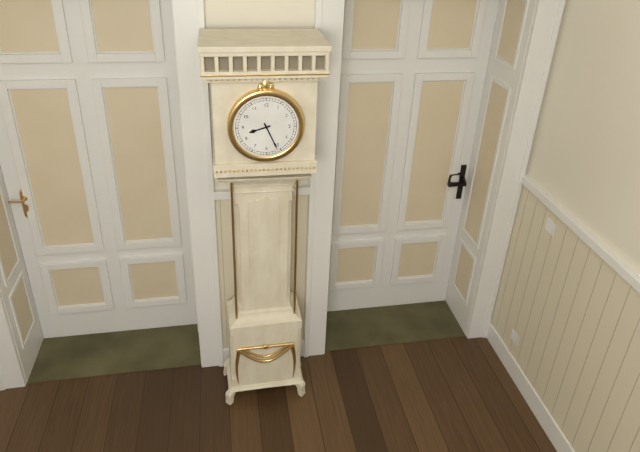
8:26
